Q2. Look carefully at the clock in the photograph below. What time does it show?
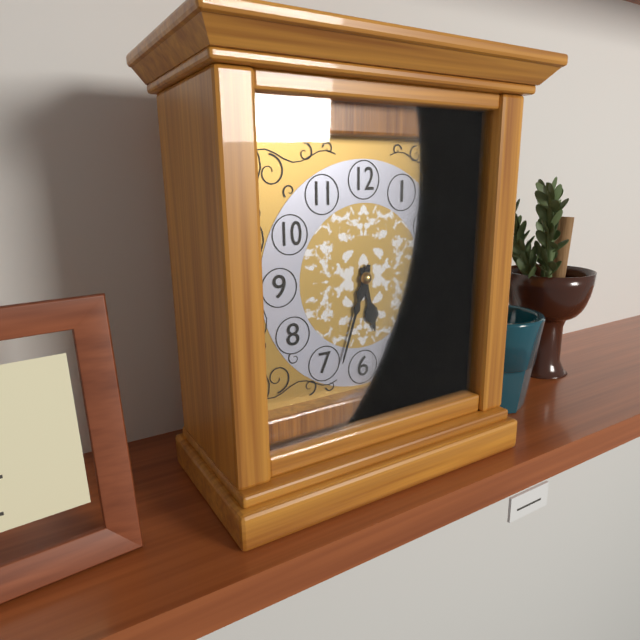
5:33
